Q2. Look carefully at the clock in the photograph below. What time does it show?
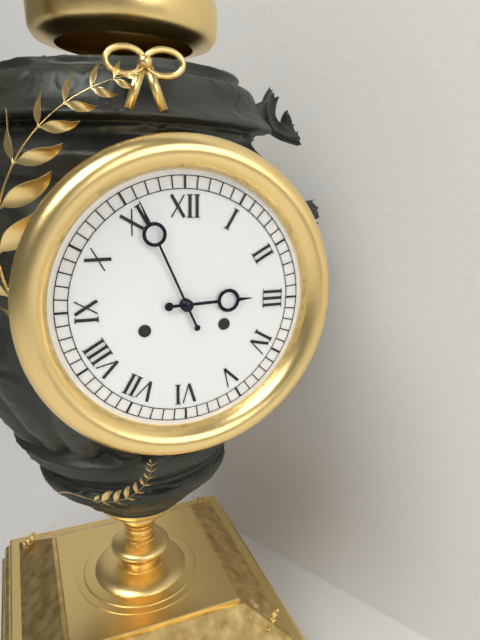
2:56
